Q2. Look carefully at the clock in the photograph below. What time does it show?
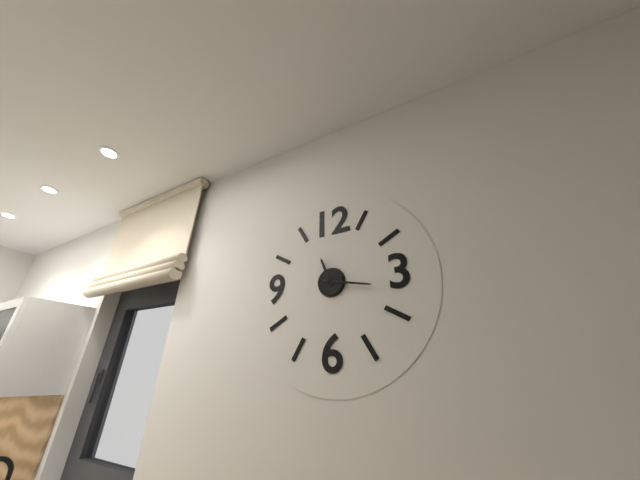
11:17
